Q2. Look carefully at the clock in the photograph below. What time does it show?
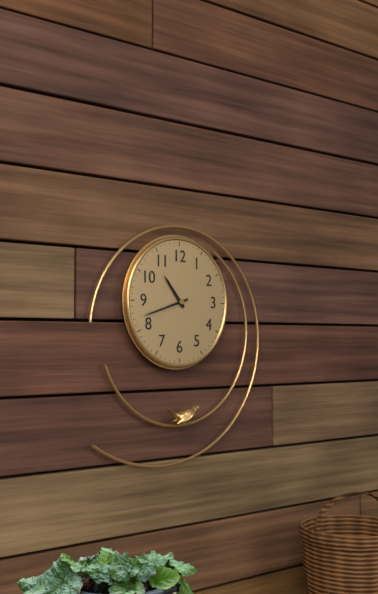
10:42
